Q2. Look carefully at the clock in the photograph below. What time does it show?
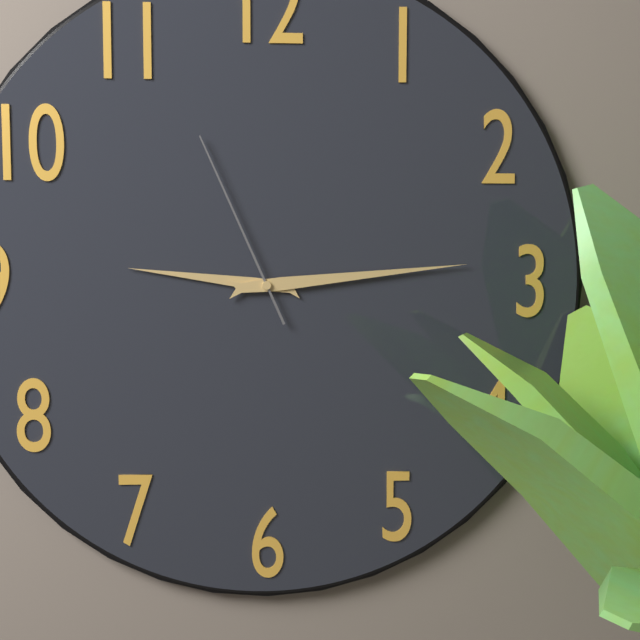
9:14:56
